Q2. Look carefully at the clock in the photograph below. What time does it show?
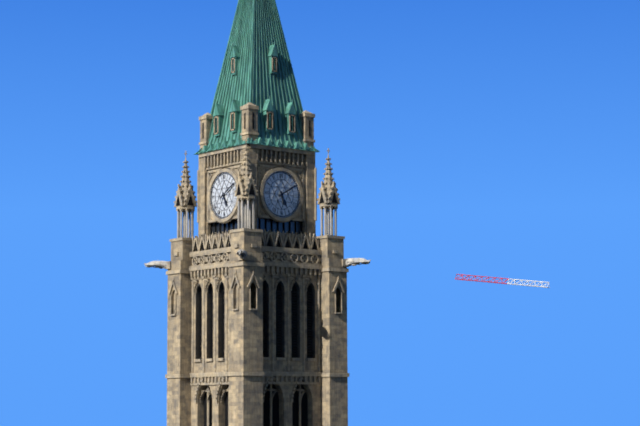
5:10
